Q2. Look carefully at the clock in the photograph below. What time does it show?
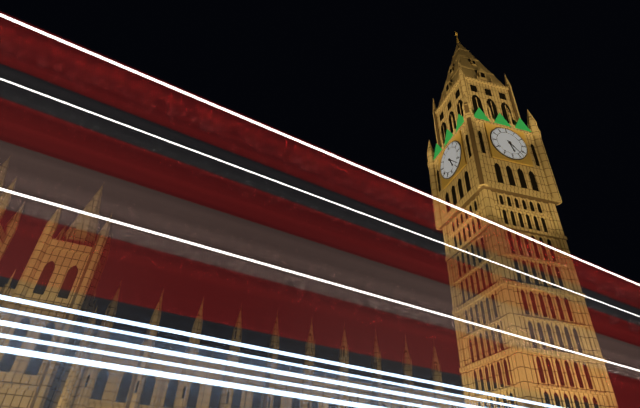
5:23
